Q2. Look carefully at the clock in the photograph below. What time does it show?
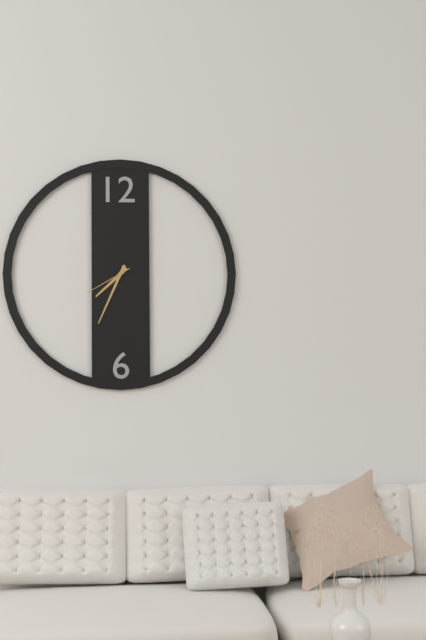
7:34
